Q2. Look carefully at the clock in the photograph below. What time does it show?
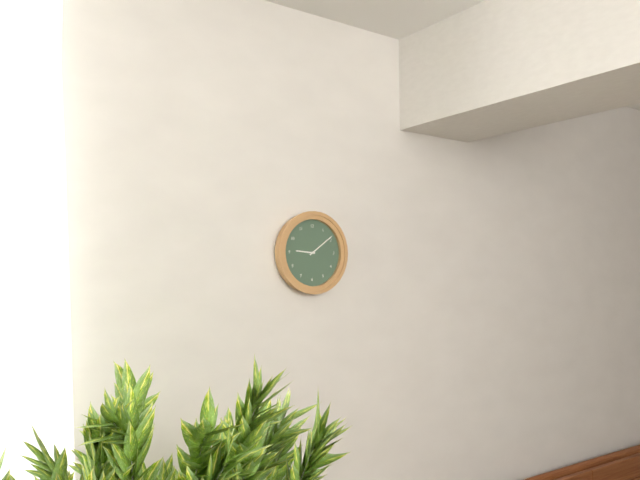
9:09
